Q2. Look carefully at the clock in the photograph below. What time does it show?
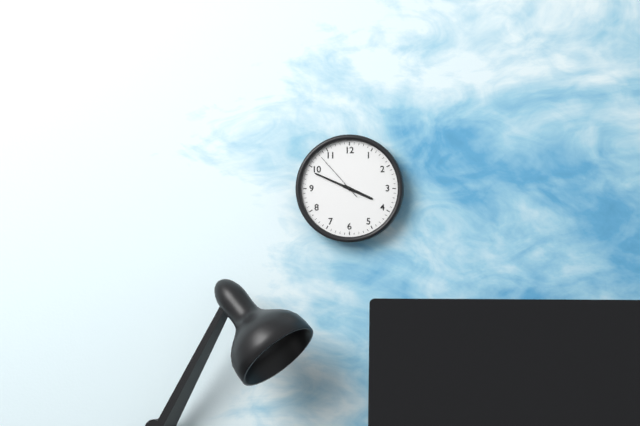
3:49:53
